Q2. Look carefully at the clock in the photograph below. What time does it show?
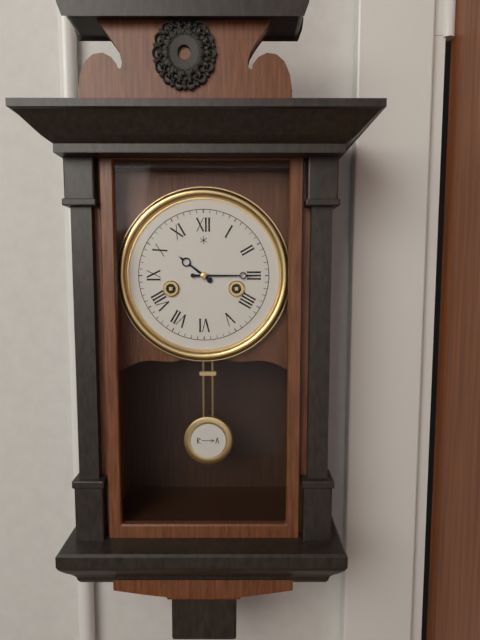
10:15
